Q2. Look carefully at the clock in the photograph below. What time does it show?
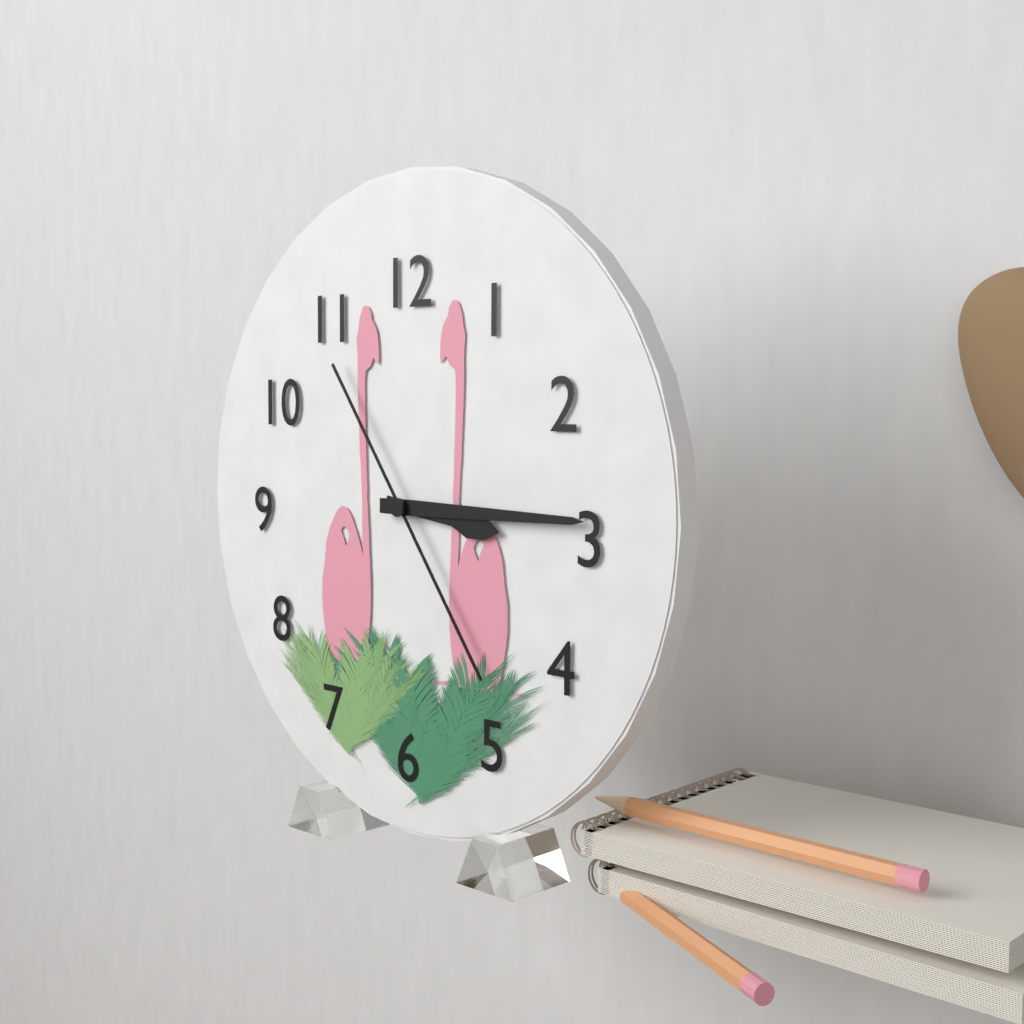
3:15:24
